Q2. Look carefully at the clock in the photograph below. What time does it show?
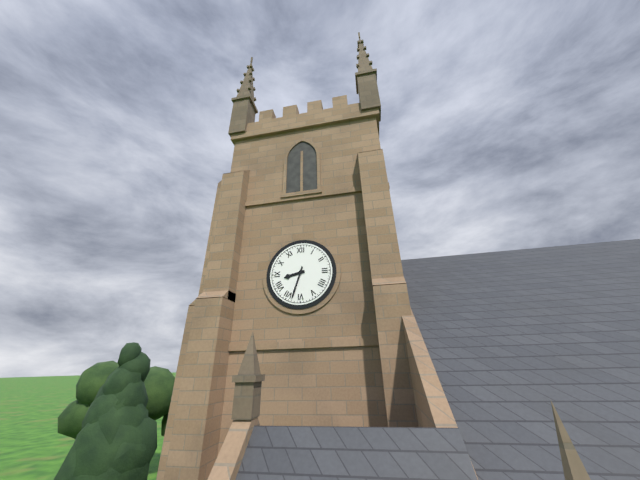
8:33
